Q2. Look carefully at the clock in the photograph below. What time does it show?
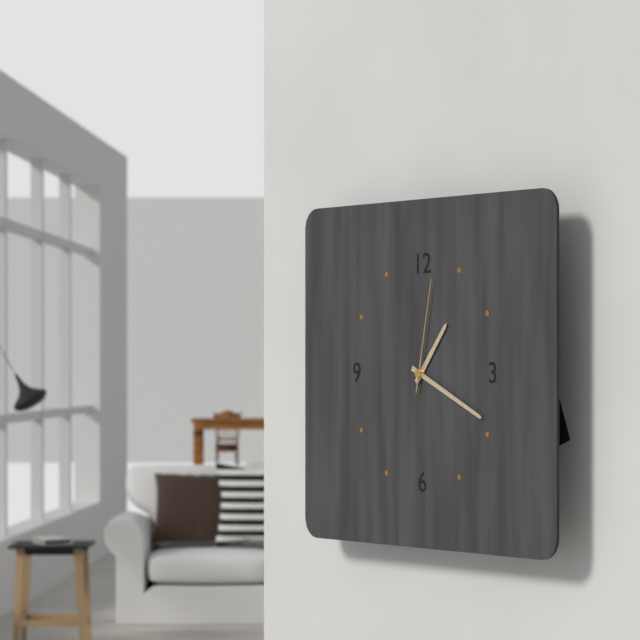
1:19:02
